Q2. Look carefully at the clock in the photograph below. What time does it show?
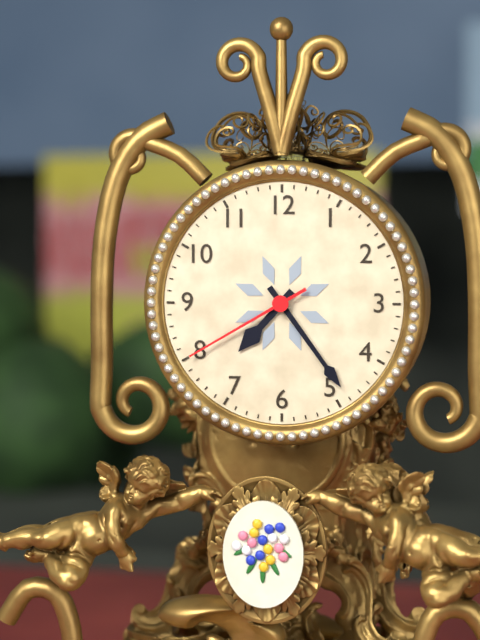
7:24:40
